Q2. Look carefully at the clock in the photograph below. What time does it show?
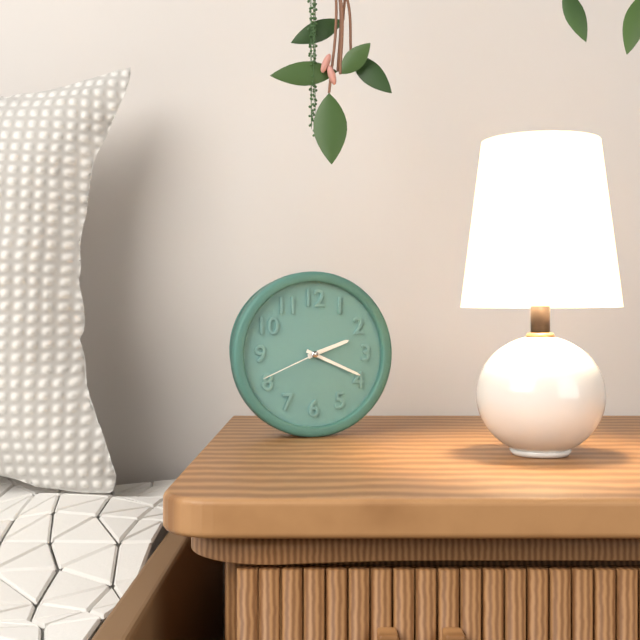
2:19:41
